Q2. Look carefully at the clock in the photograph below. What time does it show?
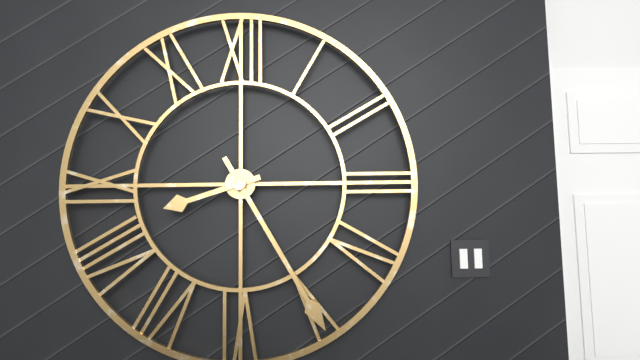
8:25
